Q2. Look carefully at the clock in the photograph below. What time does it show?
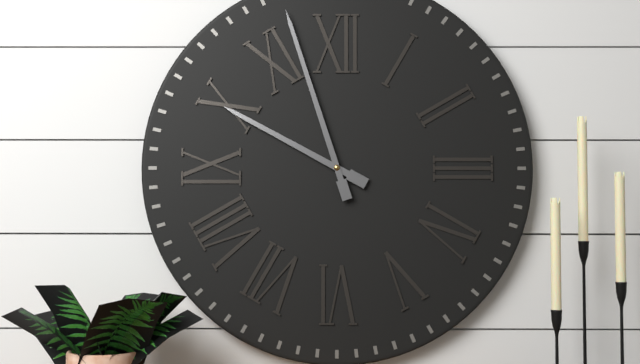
9:57
